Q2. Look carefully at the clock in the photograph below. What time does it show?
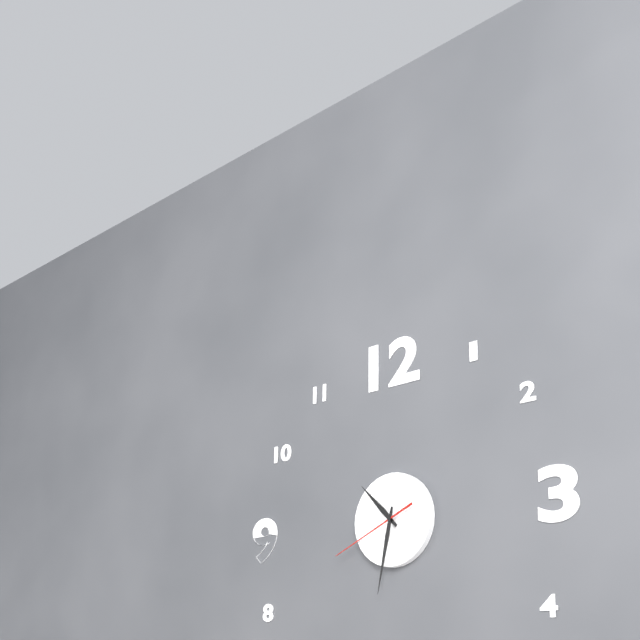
10:32:41
